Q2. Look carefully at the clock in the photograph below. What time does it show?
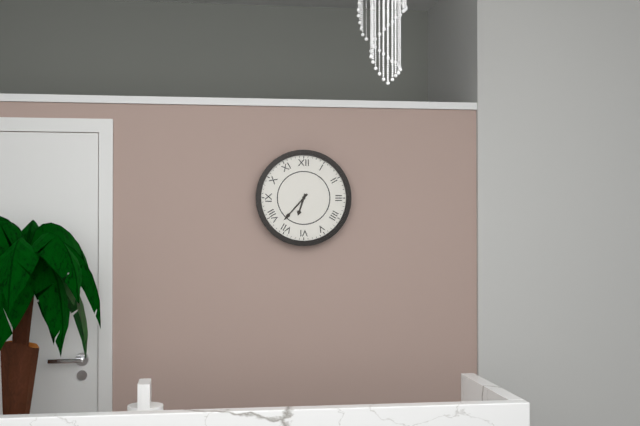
6:37
